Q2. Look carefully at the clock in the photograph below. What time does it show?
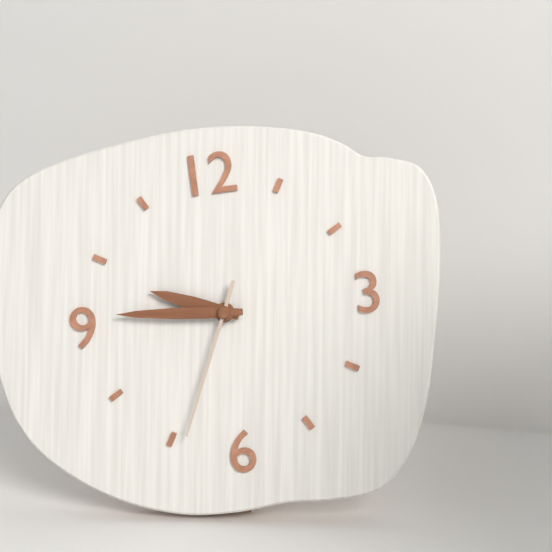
9:46:34
